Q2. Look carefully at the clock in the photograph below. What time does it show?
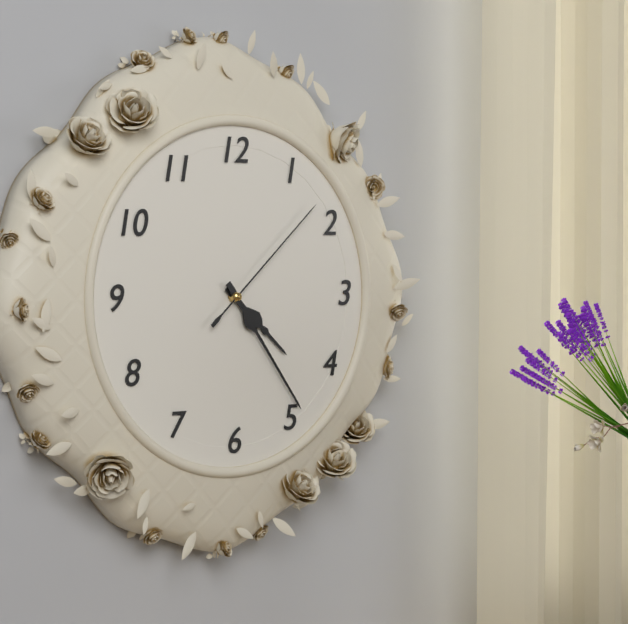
4:24:08
